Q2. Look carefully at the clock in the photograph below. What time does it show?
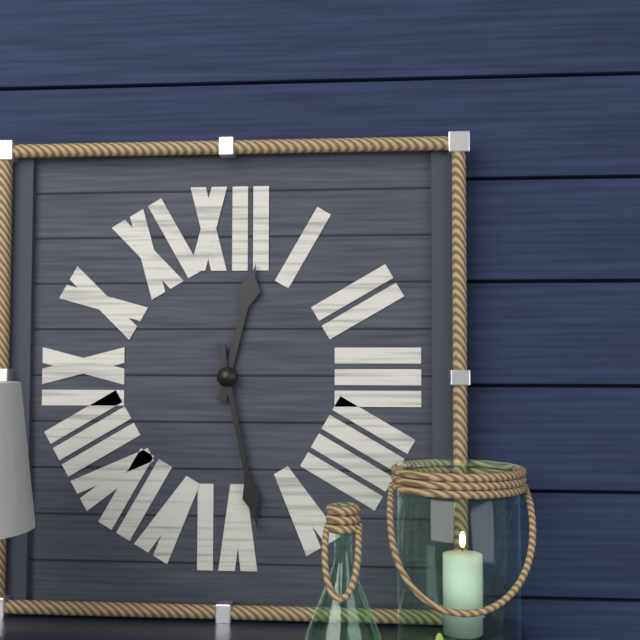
12:28
